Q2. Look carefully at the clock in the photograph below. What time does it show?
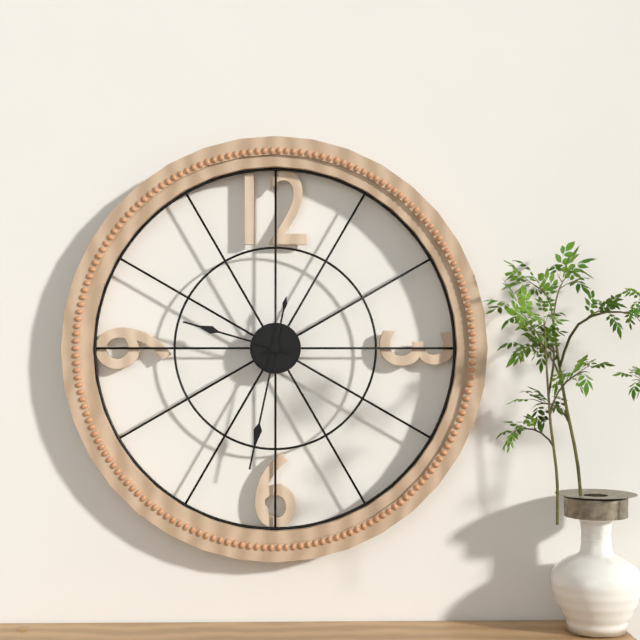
9:32
